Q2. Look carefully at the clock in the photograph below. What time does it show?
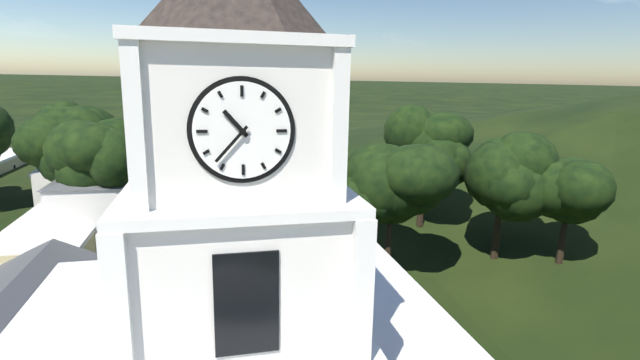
10:37
